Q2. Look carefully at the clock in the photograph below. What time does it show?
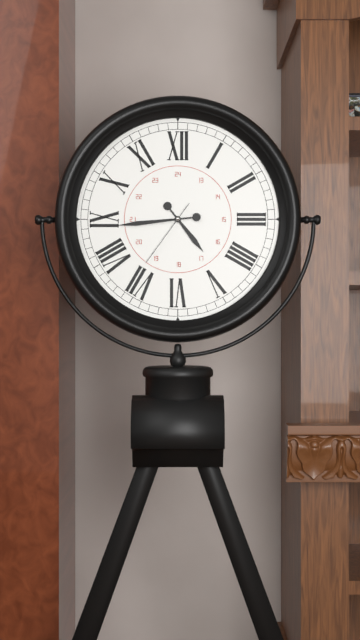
4:44:36
